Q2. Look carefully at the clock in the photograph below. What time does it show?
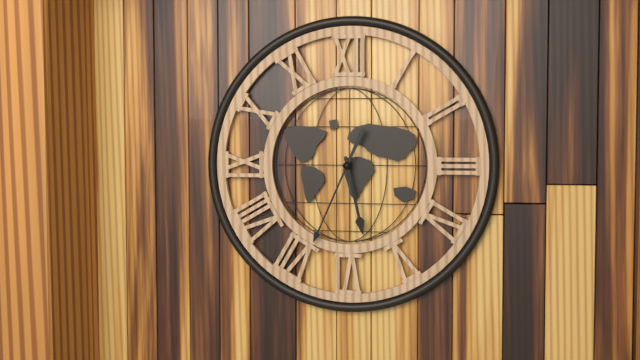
5:34
